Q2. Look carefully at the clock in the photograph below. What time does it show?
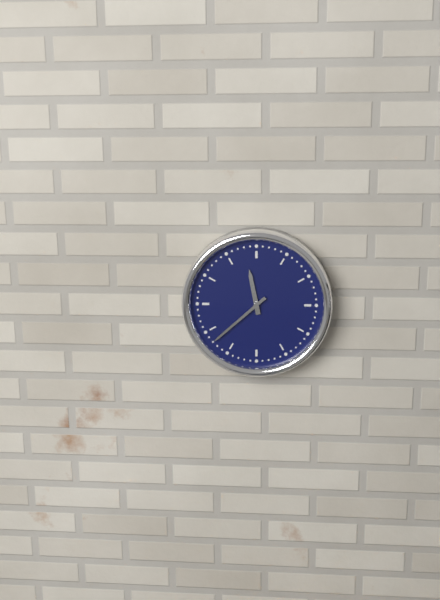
11:38
